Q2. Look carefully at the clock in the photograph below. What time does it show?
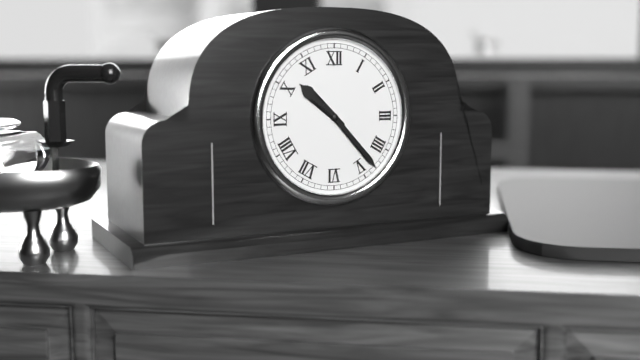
10:23
